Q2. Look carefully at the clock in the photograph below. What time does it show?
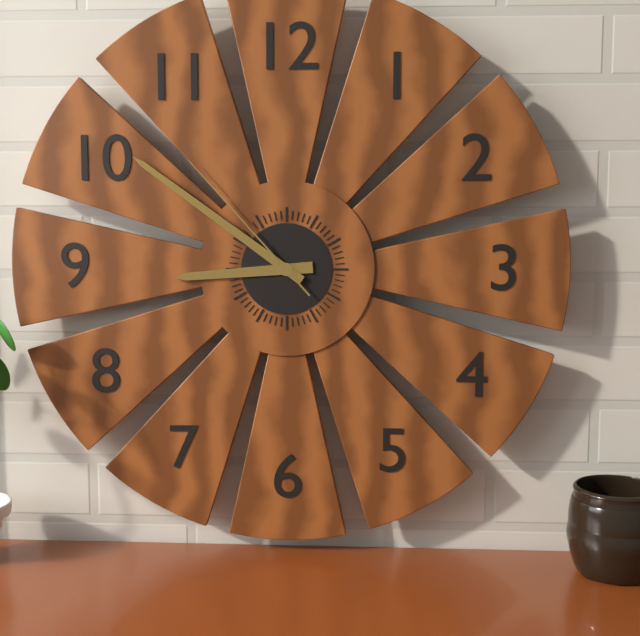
8:51:53
